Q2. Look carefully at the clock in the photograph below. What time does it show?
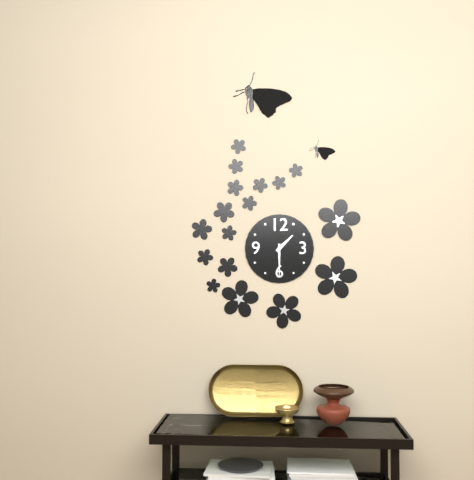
1:30
